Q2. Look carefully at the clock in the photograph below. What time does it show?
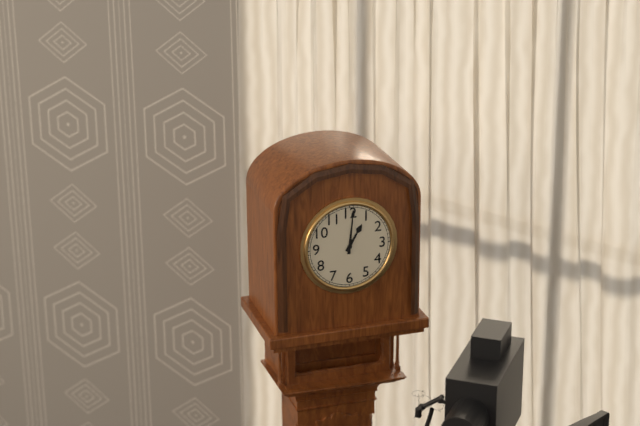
1:01
